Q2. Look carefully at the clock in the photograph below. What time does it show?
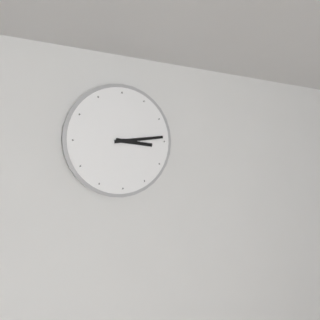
3:14
